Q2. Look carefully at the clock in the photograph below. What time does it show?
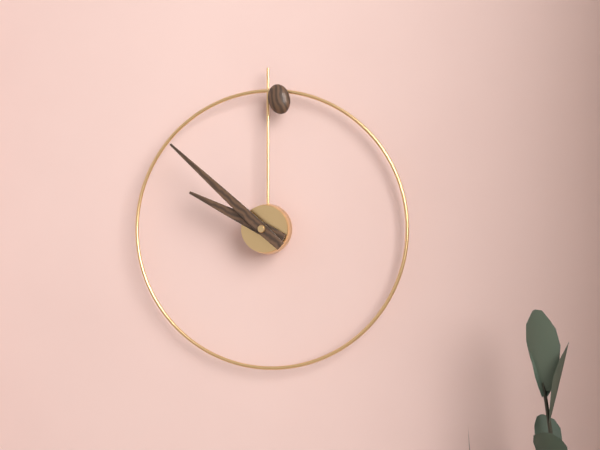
9:52
